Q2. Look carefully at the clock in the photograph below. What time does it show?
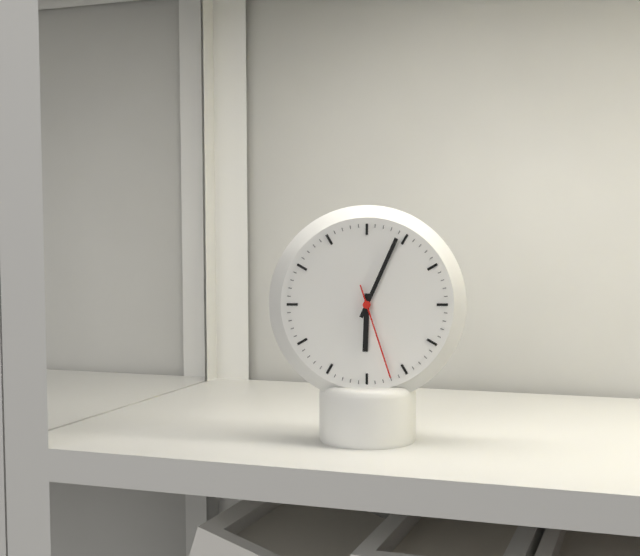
6:04:27
